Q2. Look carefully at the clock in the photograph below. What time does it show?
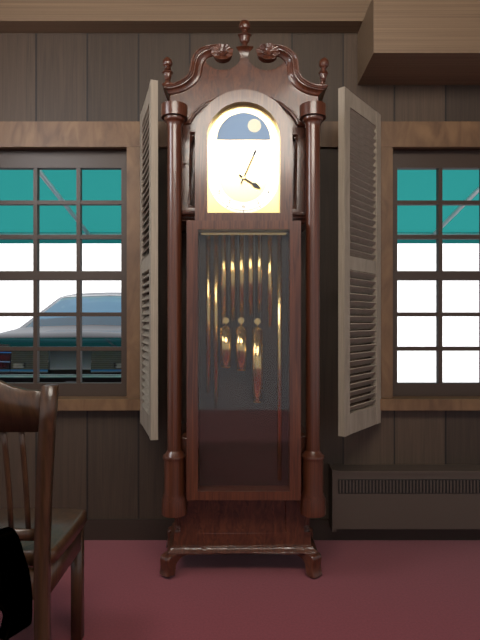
4:04
